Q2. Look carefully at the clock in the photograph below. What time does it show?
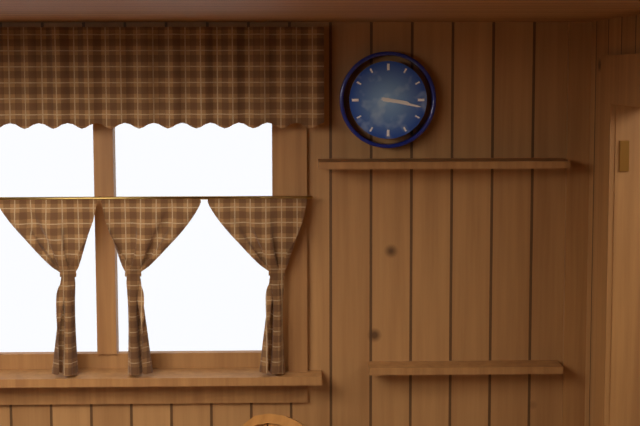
3:17
